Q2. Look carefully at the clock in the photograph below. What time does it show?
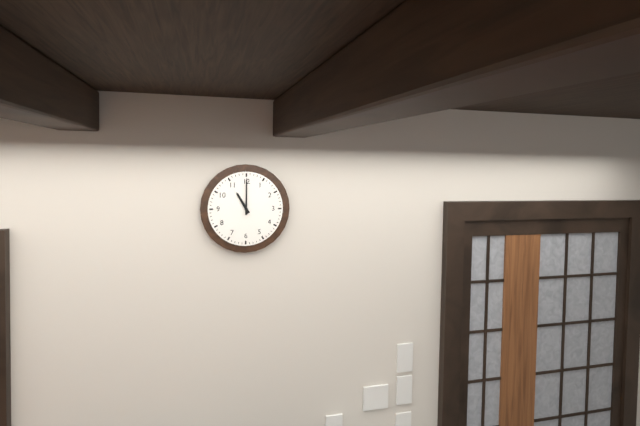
11:00
